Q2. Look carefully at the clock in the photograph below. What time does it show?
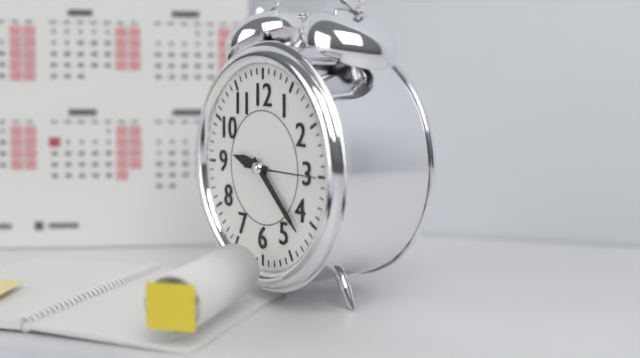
9:22:15
